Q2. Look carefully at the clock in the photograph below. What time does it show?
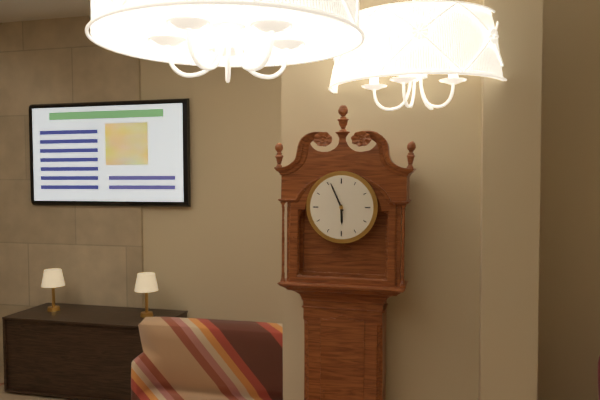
5:56
